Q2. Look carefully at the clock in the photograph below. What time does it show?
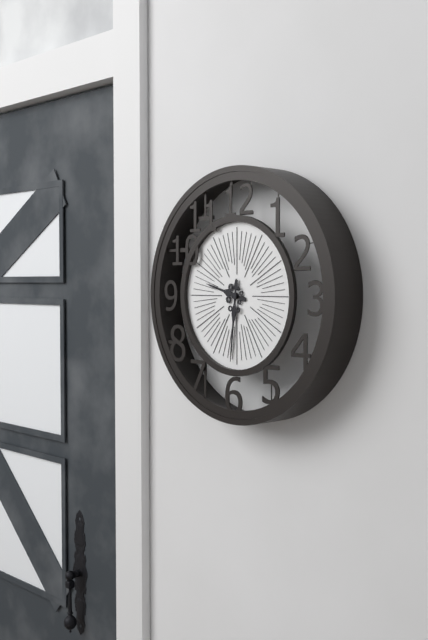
9:31
